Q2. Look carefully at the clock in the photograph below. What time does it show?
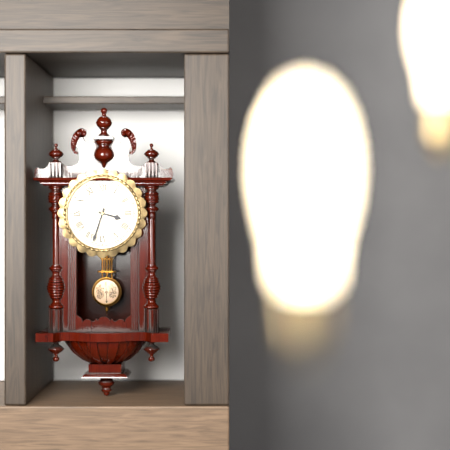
3:33
